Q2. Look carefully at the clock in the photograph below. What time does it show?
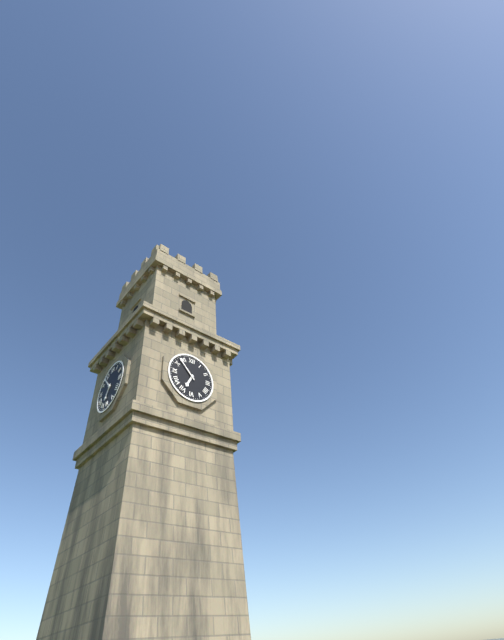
6:53
